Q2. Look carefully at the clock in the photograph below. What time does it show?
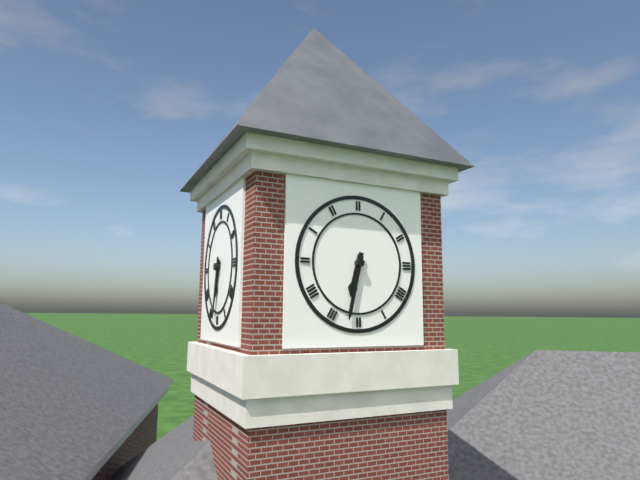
6:32
